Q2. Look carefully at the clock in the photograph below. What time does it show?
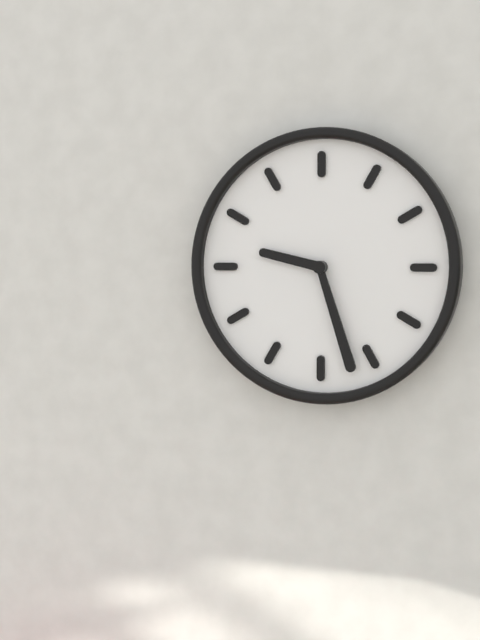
9:27
